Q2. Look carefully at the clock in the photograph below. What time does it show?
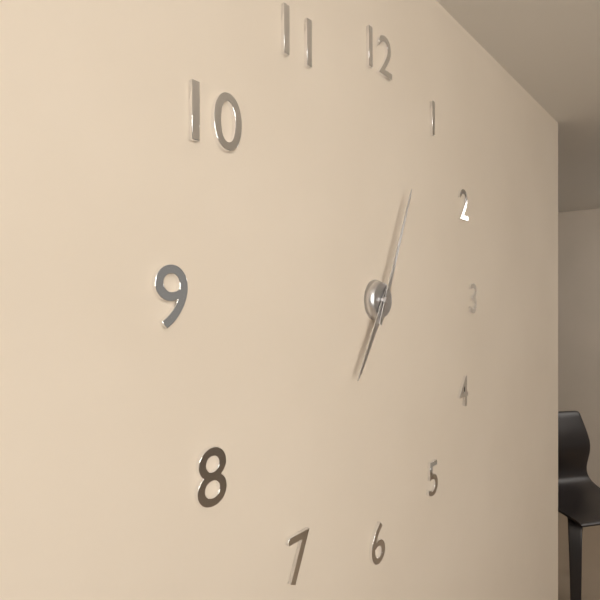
7:04
